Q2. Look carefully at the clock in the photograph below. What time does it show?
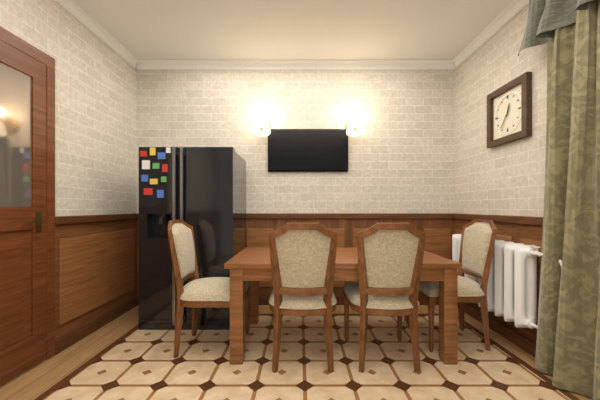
12:36
